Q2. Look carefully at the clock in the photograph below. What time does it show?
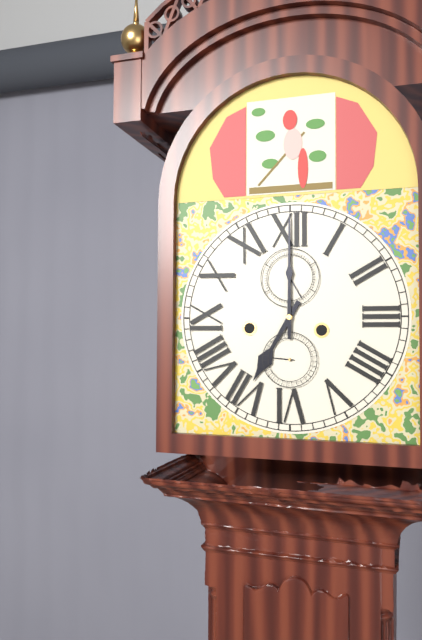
7:00
